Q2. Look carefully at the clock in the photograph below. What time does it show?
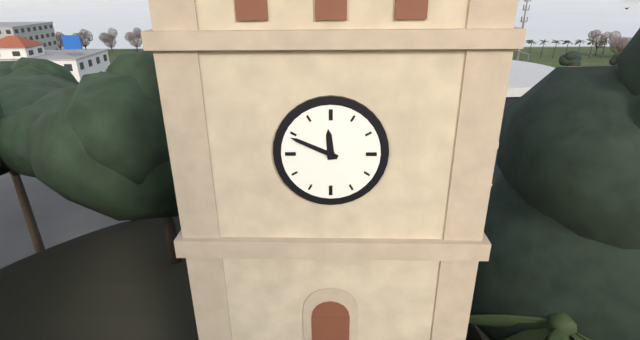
11:49
